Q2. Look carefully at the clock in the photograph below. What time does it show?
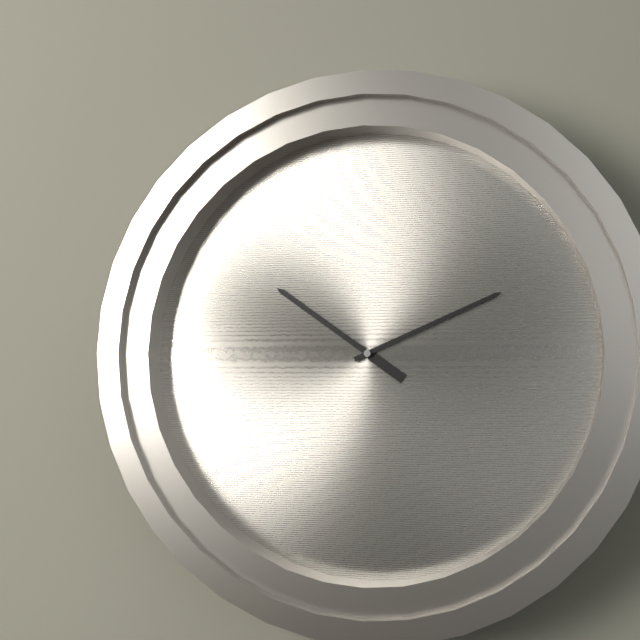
10:11
